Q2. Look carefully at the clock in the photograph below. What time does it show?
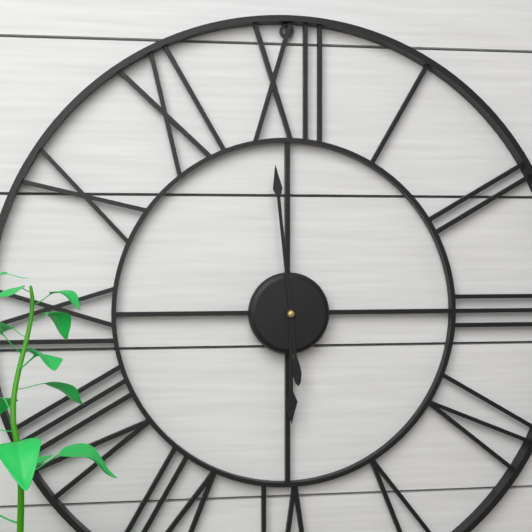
5:59
